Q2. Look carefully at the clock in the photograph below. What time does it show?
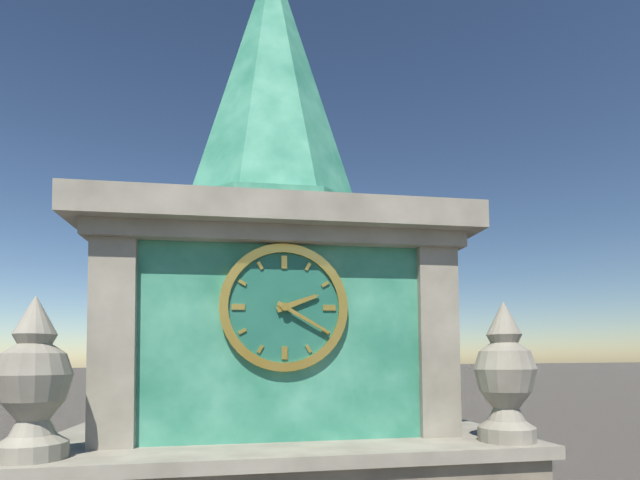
2:20
